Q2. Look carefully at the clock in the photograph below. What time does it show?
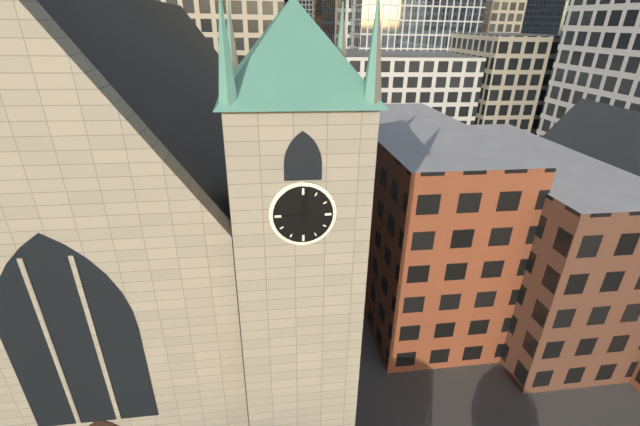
9:01
